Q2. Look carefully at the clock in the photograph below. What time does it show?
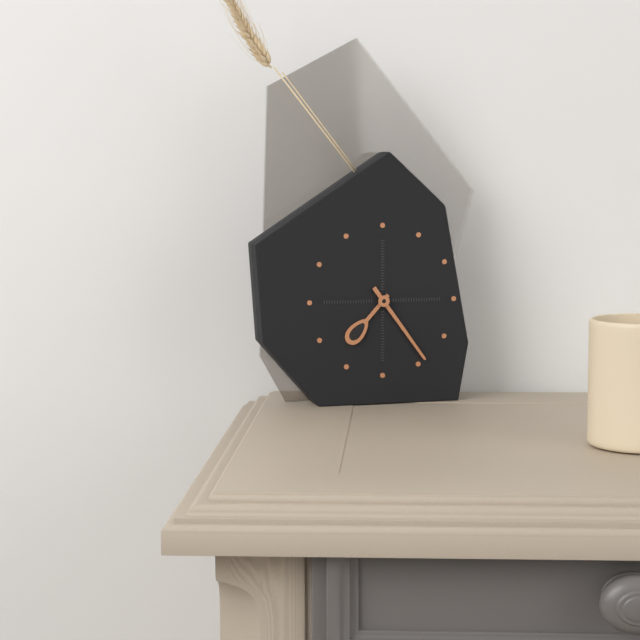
7:24
